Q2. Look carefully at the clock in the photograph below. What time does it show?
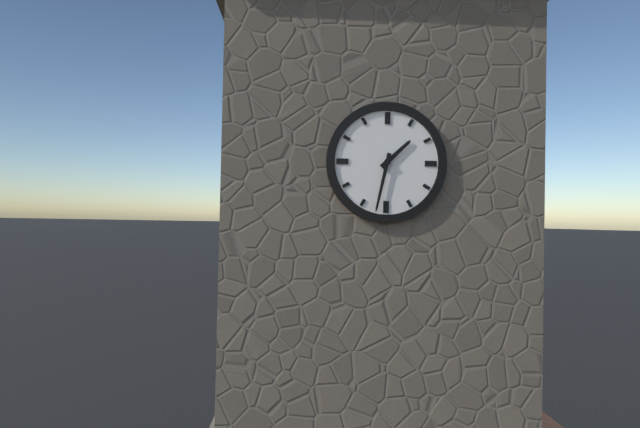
1:32
